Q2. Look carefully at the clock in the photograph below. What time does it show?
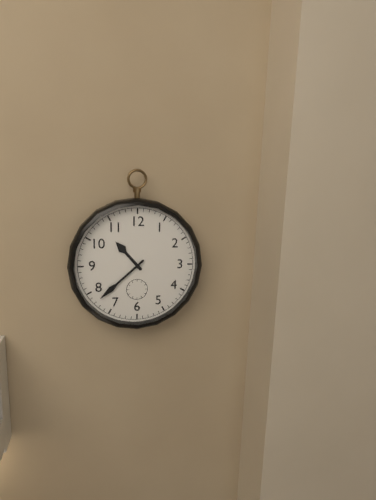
10:38
